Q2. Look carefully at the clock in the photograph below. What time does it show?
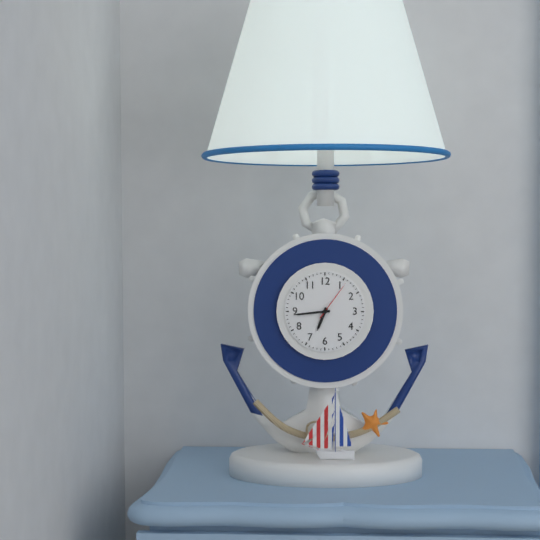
6:44
